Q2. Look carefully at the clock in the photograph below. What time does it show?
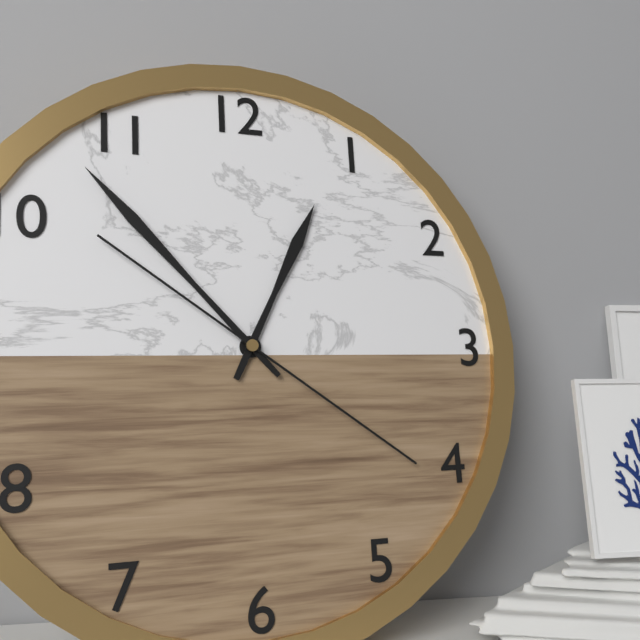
12:53:21
